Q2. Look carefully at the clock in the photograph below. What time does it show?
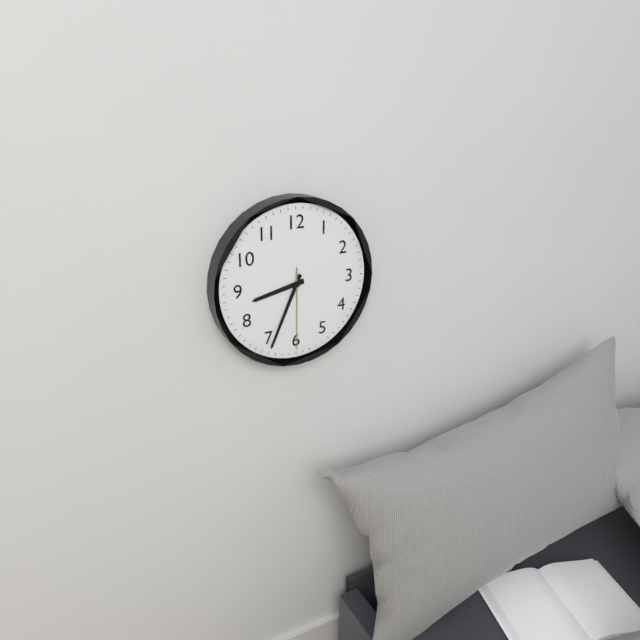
8:34:30
